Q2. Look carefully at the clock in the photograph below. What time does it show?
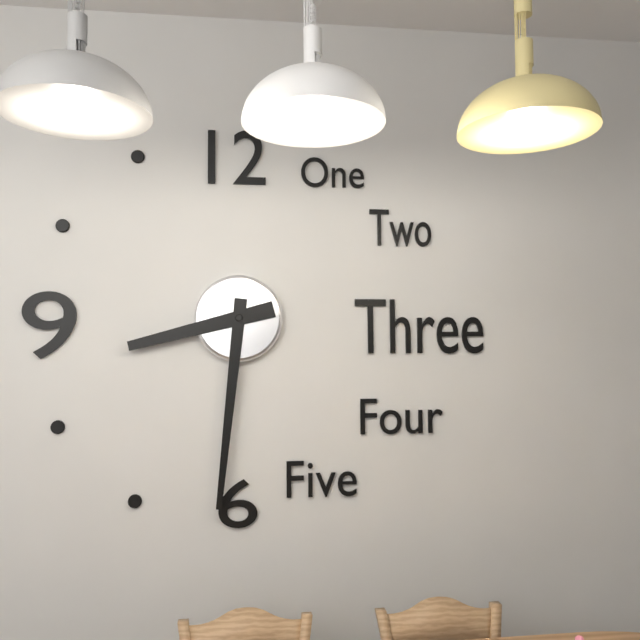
8:31
